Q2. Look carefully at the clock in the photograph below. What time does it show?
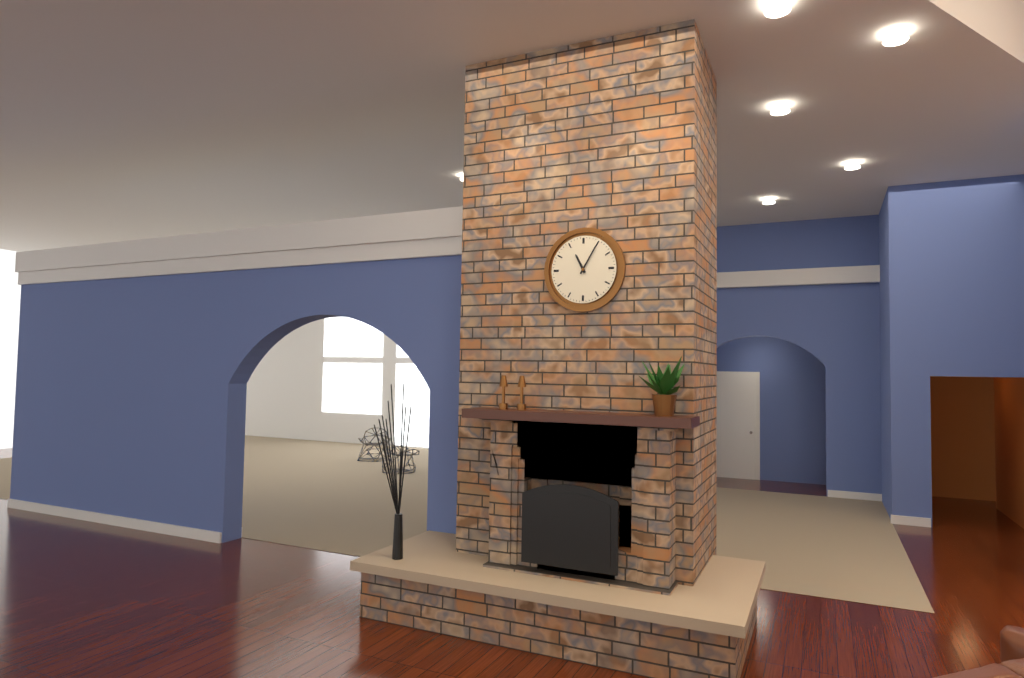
11:05
